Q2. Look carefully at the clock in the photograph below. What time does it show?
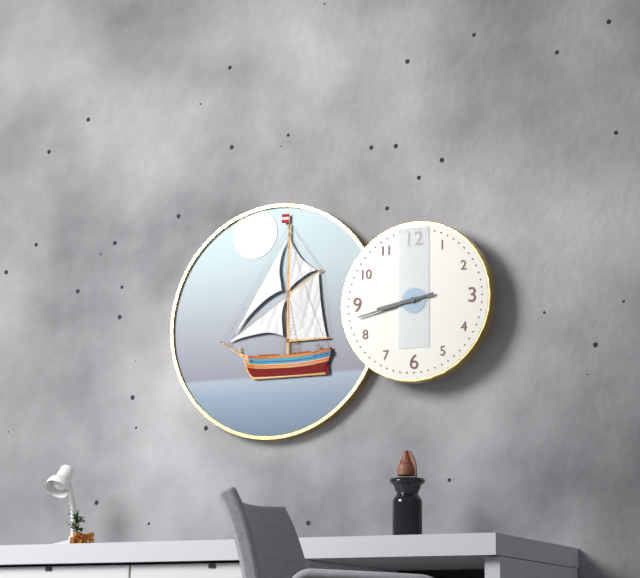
8:43
